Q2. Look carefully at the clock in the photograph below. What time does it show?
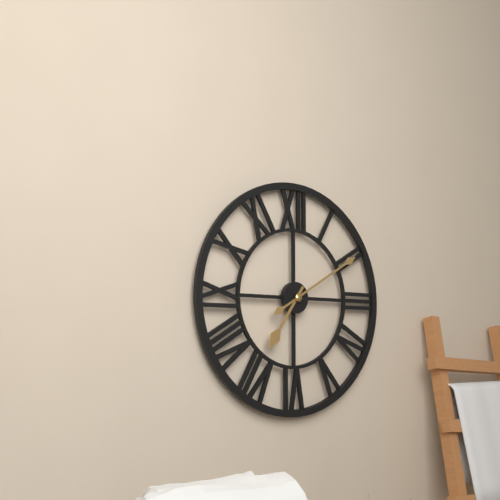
7:10
